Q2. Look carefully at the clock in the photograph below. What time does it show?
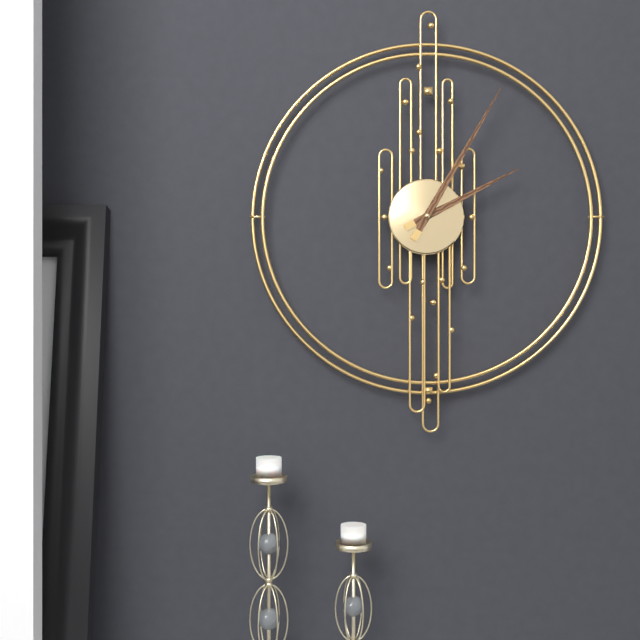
2:05
